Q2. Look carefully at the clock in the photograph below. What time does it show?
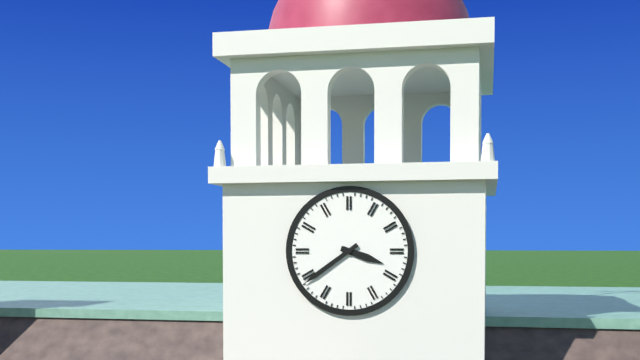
3:39
